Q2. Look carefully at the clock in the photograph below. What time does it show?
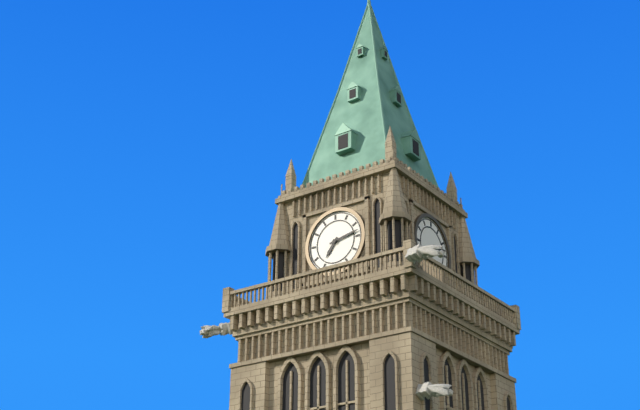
7:13
